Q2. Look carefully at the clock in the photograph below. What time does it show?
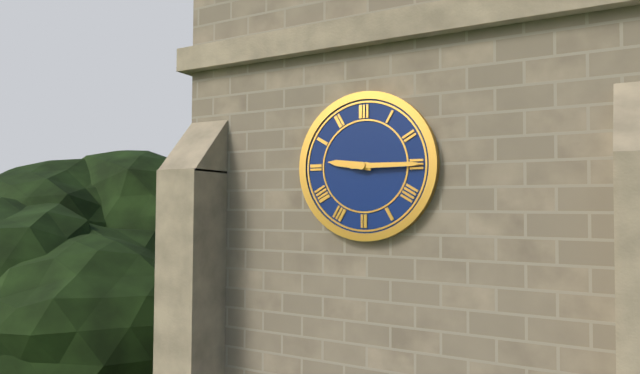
9:15
